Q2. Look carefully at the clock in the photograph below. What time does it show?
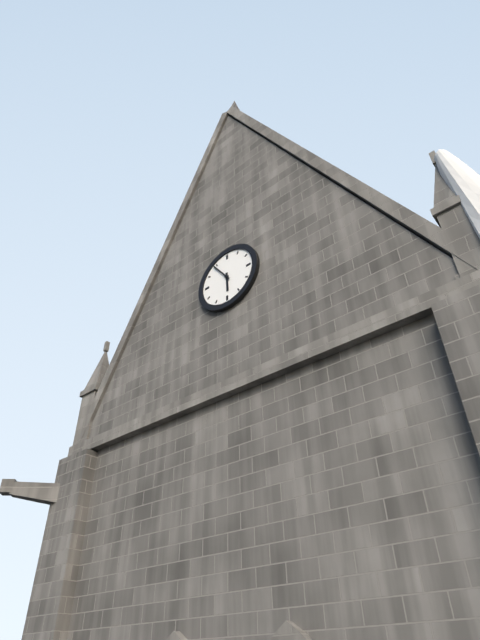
5:54
